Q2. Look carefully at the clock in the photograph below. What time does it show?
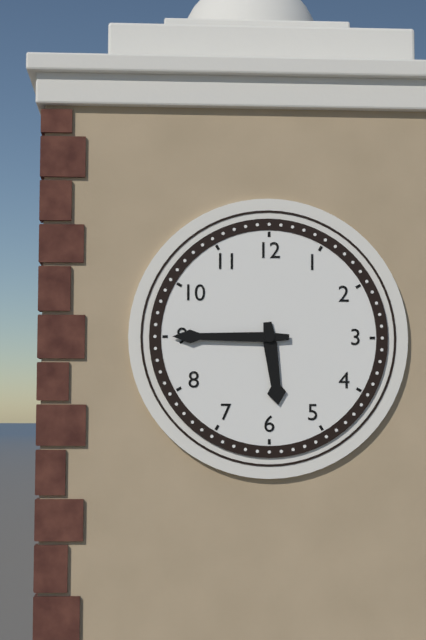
5:45
